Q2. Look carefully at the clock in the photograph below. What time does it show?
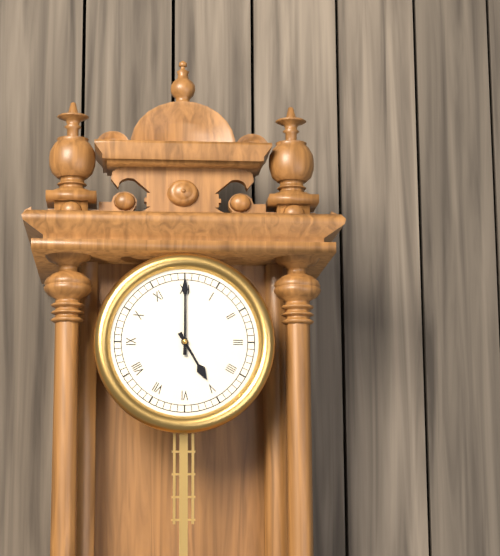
5:00
